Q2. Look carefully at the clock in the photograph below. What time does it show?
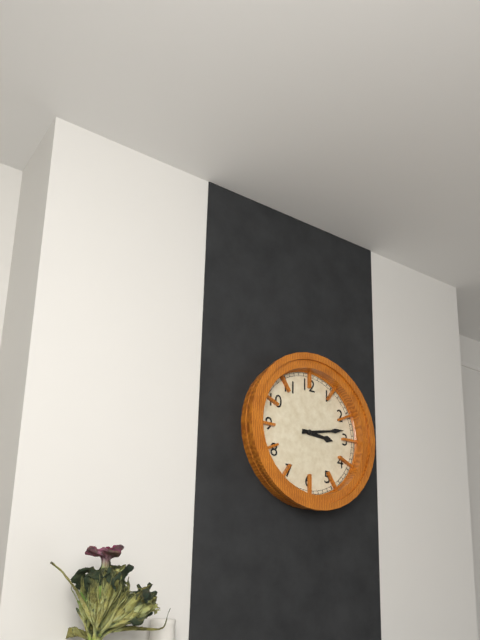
3:13
